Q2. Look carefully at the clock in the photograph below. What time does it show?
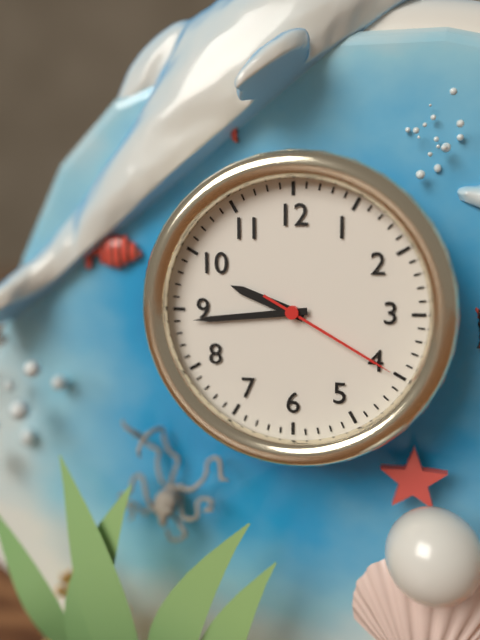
9:44:20
